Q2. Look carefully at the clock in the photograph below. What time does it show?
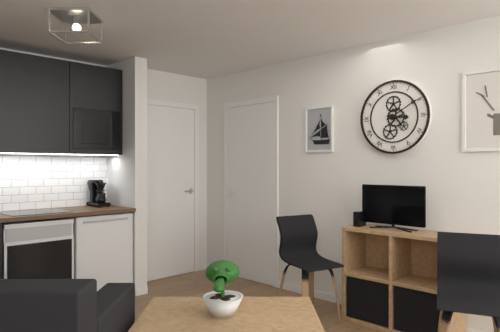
3:10
